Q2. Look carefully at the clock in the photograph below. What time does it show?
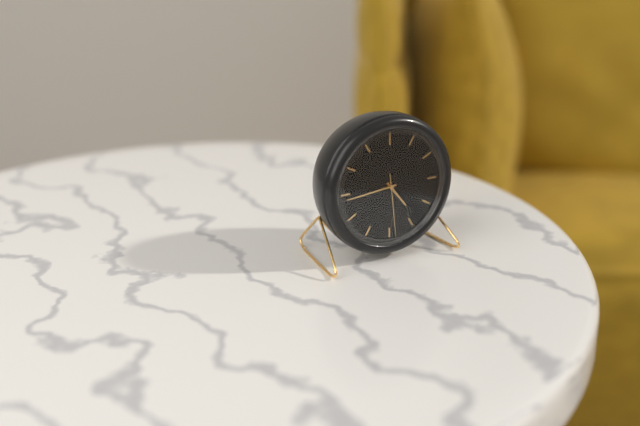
4:44:29
